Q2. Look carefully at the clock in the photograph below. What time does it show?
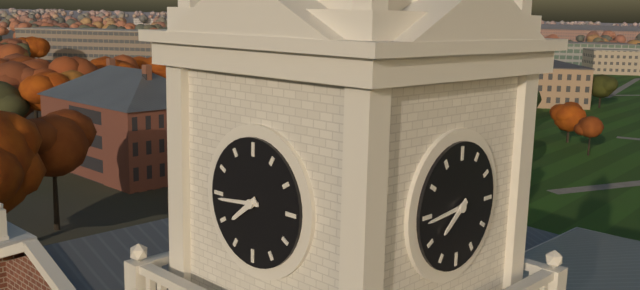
7:44
